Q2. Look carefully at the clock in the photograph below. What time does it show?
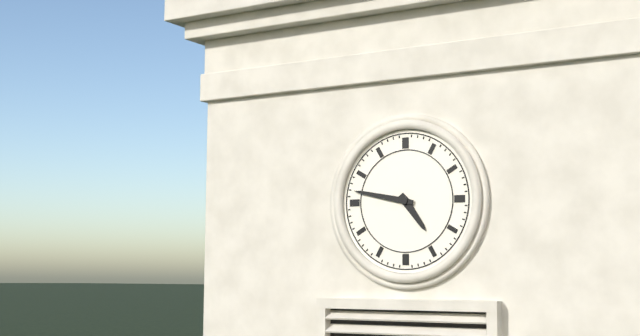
4:47
